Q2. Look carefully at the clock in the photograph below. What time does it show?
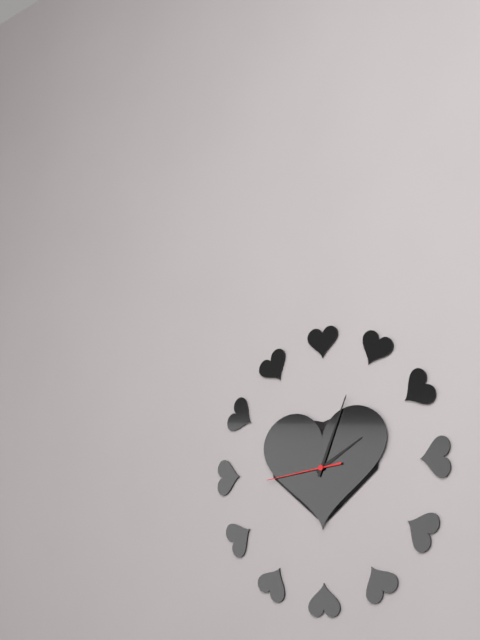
2:04:44
